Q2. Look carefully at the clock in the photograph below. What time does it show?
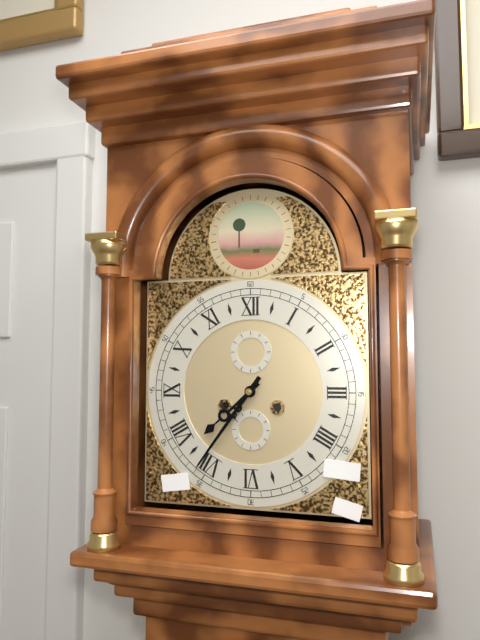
7:36
